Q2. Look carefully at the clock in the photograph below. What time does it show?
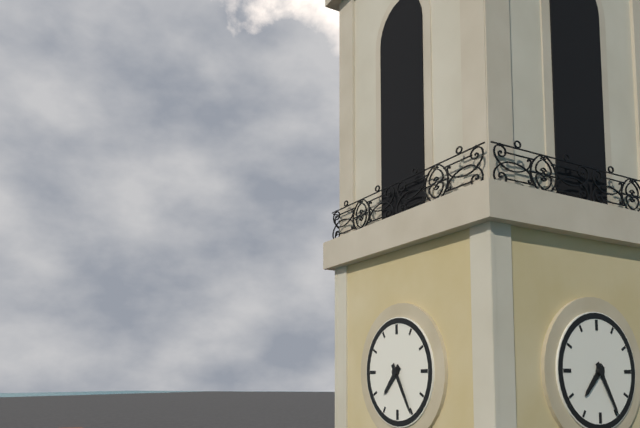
7:25
